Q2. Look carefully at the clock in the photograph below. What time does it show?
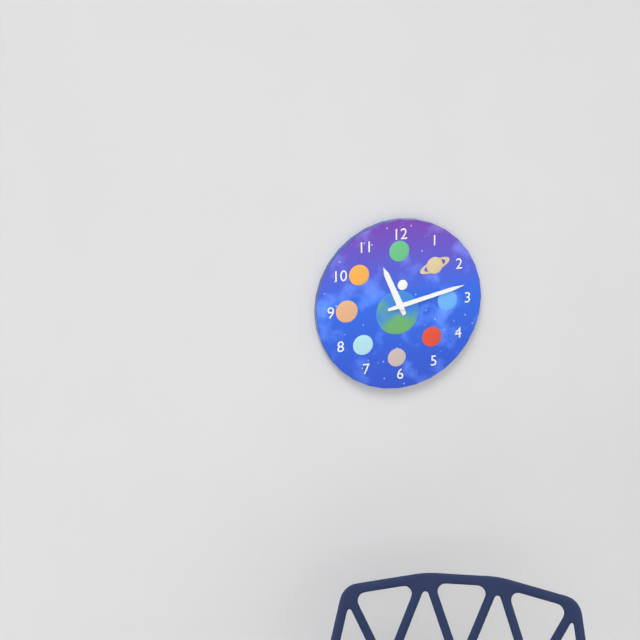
11:13
